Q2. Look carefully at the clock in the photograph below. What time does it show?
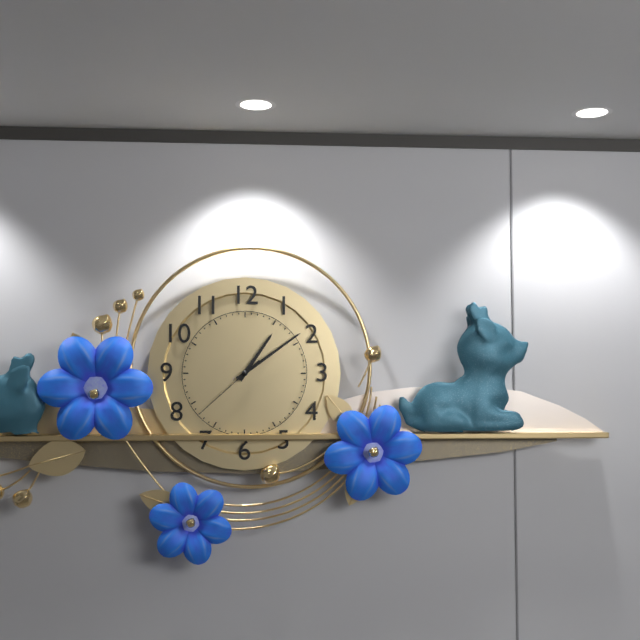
1:09:38
